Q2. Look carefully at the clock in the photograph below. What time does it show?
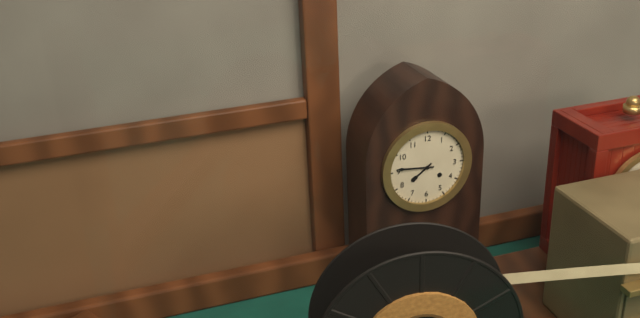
7:46
